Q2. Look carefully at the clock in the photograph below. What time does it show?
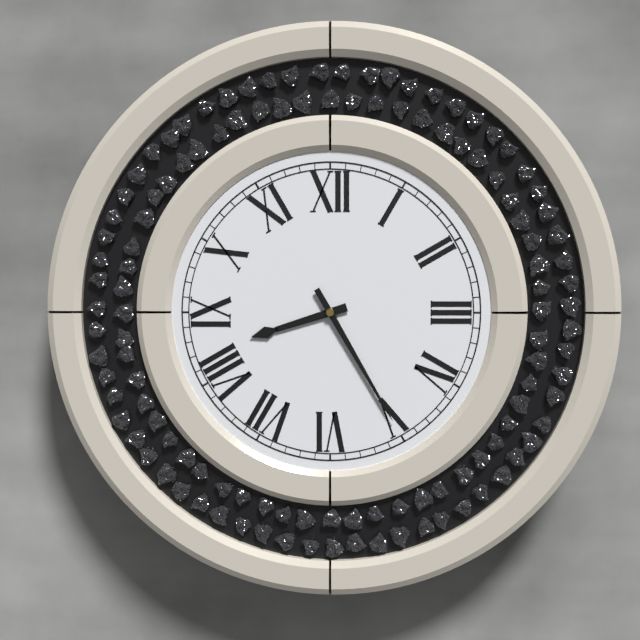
8:25
